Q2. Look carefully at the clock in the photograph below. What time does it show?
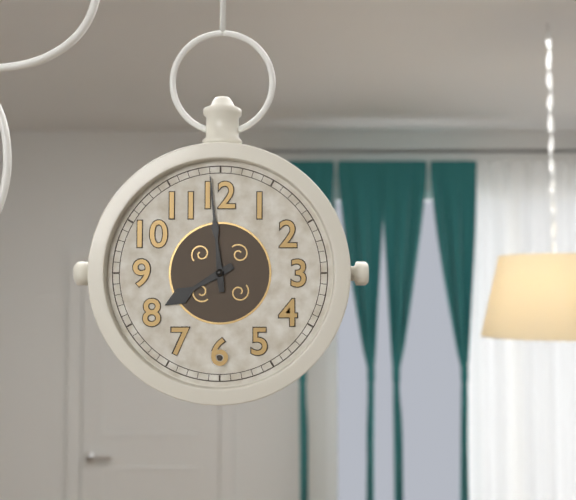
7:59
